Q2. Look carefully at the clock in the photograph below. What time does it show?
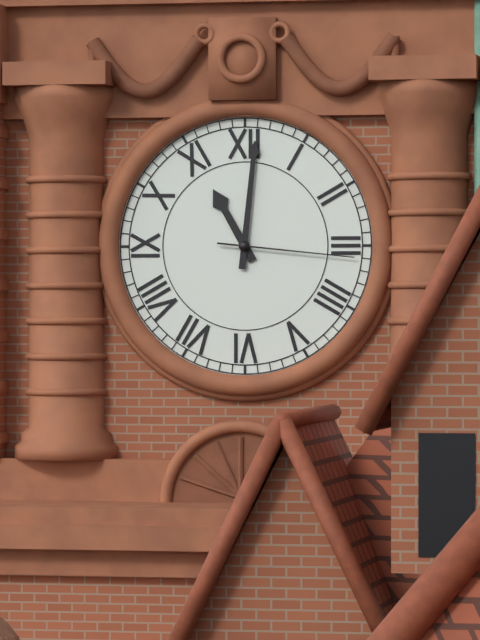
11:01:16
